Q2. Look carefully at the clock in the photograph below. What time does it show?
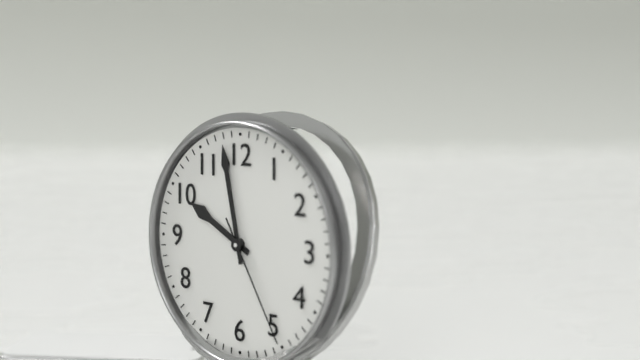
9:58:25
